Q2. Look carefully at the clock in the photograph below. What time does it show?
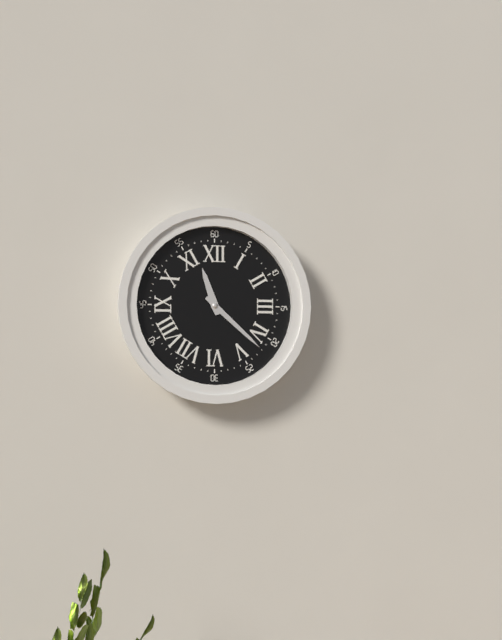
11:22
